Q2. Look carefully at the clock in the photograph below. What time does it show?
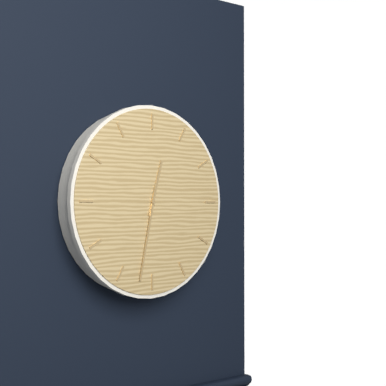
12:32
